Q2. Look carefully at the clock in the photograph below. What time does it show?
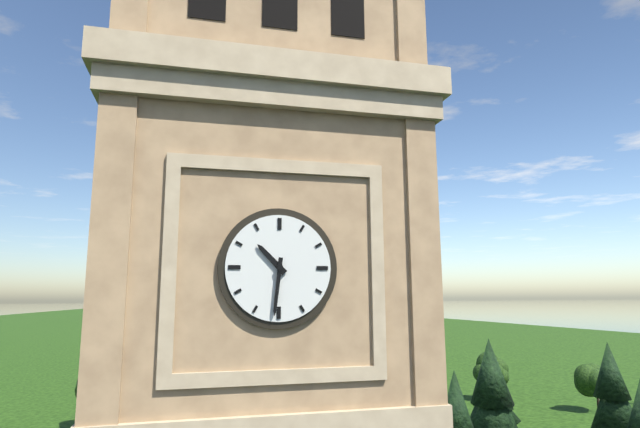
10:31
